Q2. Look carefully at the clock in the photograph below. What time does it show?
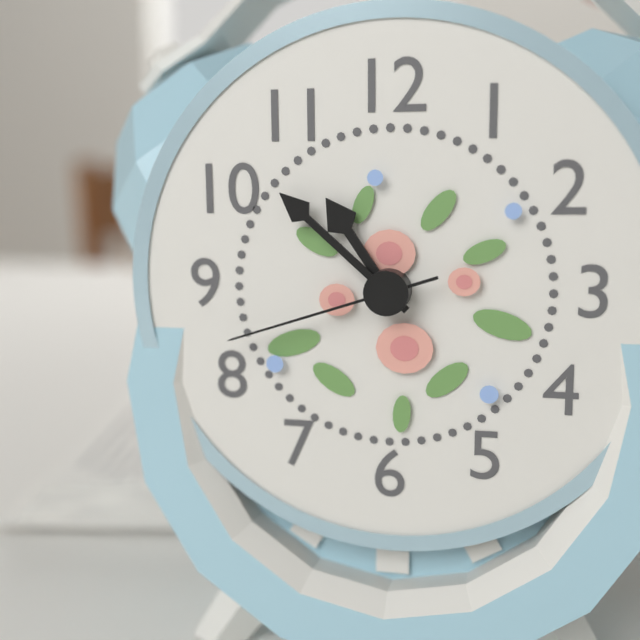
10:52:42
